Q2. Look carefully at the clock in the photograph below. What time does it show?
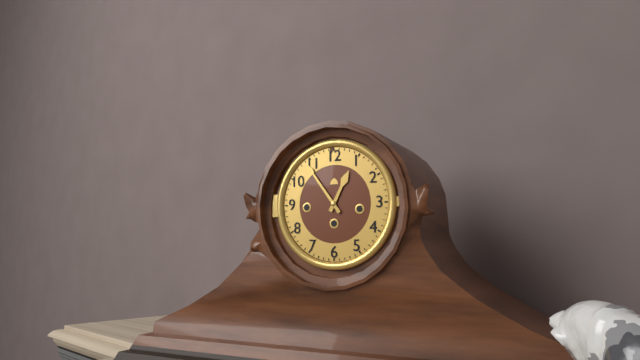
12:54
